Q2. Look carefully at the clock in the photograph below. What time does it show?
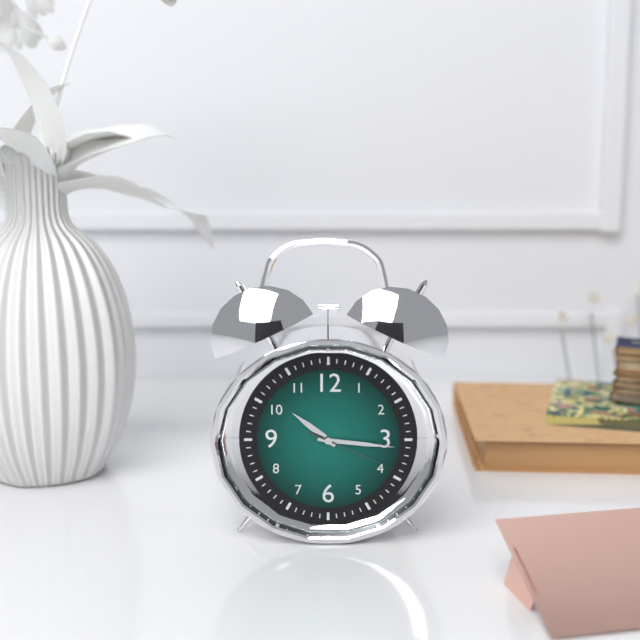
10:16:19
